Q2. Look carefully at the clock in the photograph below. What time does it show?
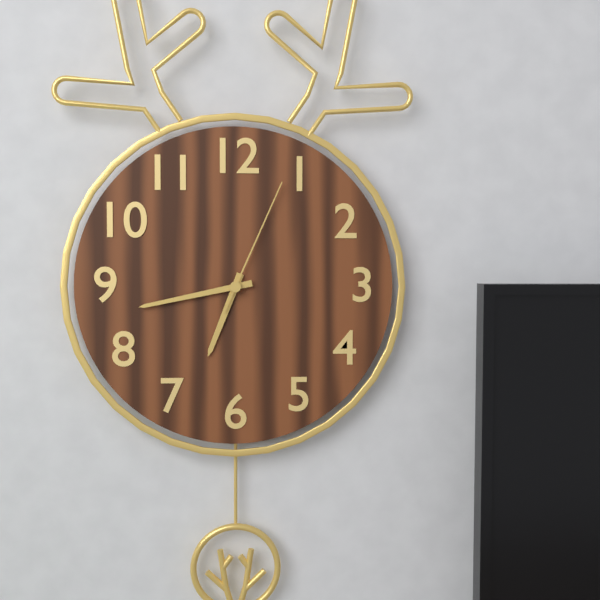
6:43:04
